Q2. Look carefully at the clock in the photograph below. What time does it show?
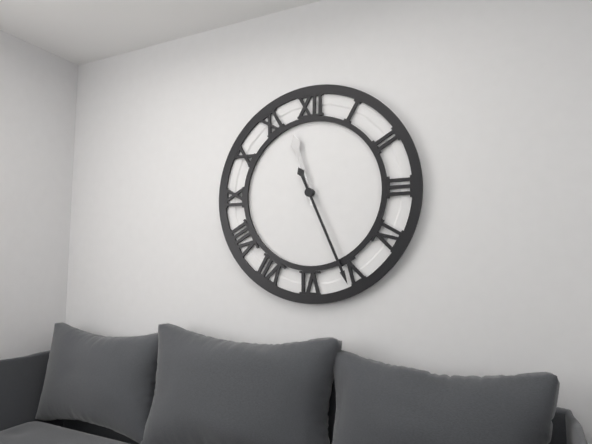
11:26
